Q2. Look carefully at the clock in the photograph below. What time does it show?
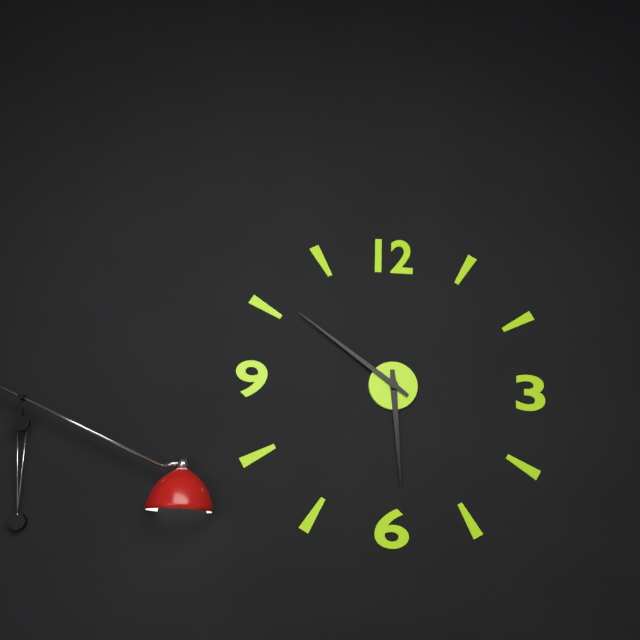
5:51
